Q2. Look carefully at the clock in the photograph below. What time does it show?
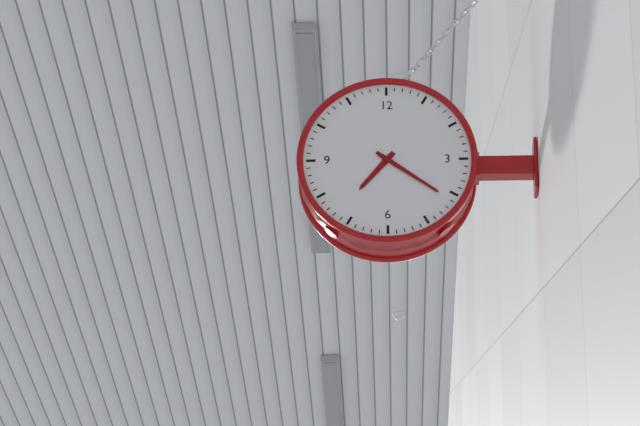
7:21
